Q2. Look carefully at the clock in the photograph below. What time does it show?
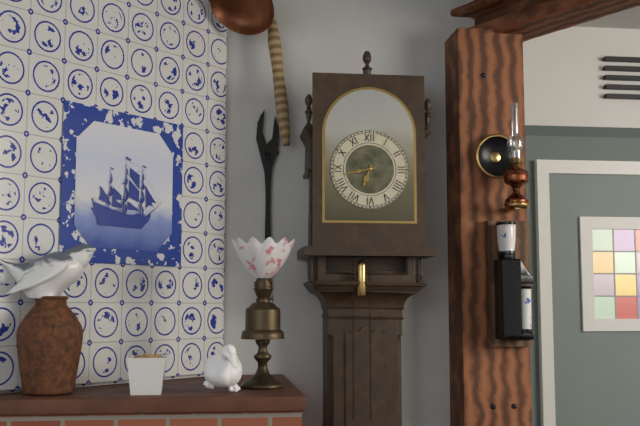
6:43
